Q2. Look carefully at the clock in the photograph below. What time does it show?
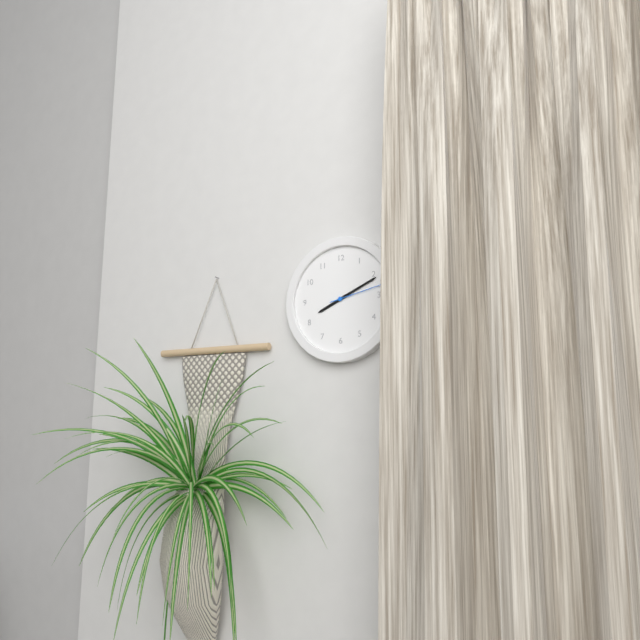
8:11:13
